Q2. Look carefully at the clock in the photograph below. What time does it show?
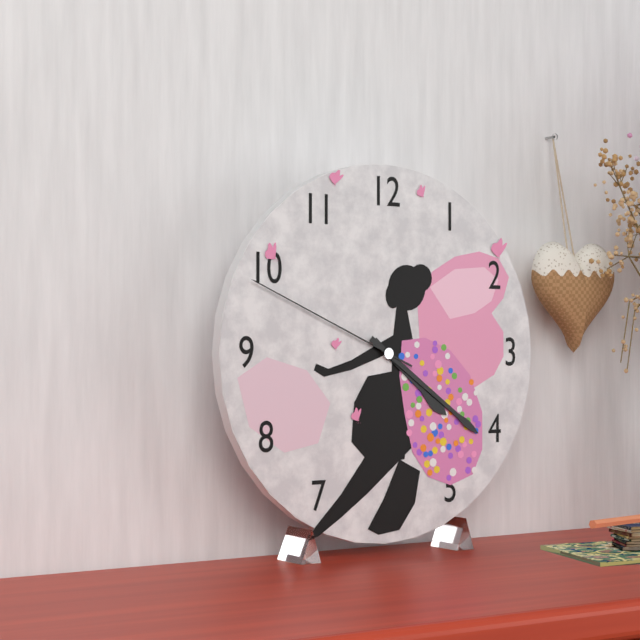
4:21:49
